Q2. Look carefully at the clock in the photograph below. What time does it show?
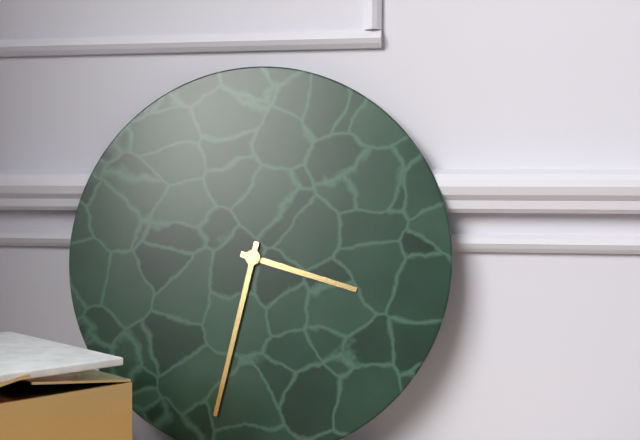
3:32
